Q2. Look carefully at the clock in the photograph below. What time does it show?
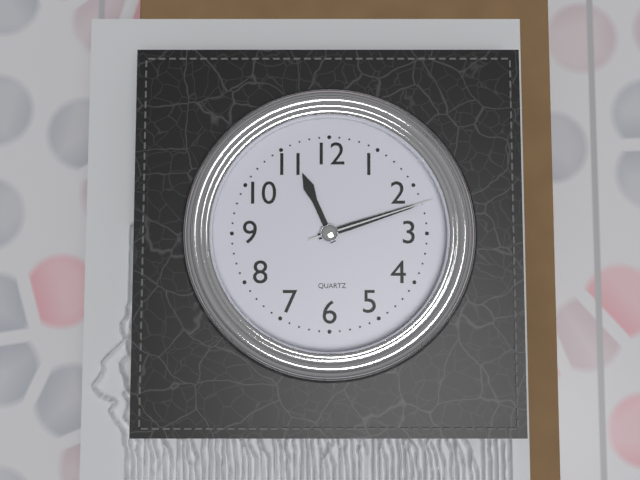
11:12:12
